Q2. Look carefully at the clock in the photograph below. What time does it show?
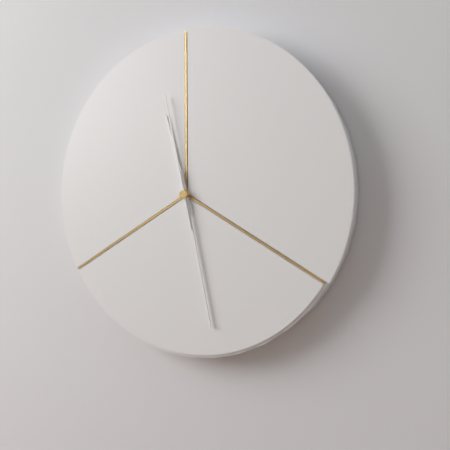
11:28:58
